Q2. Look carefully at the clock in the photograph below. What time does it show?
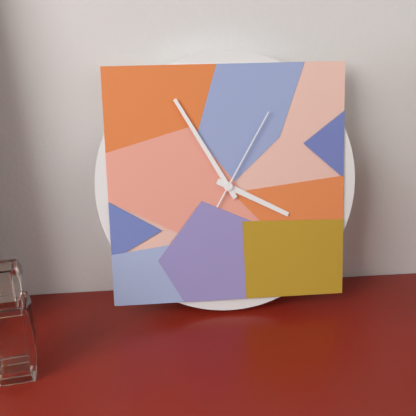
3:55:05
